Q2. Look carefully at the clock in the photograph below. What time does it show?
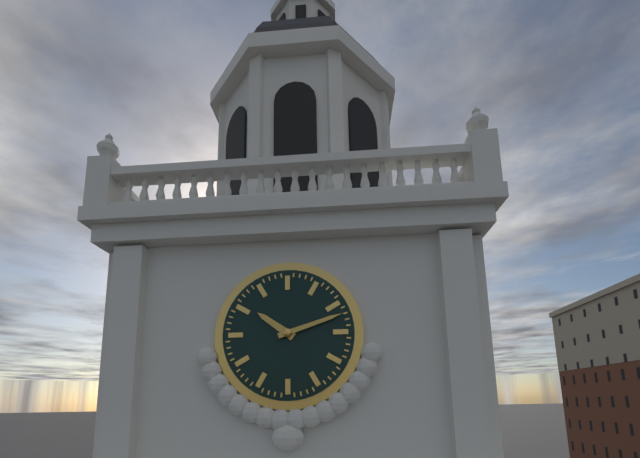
10:12
